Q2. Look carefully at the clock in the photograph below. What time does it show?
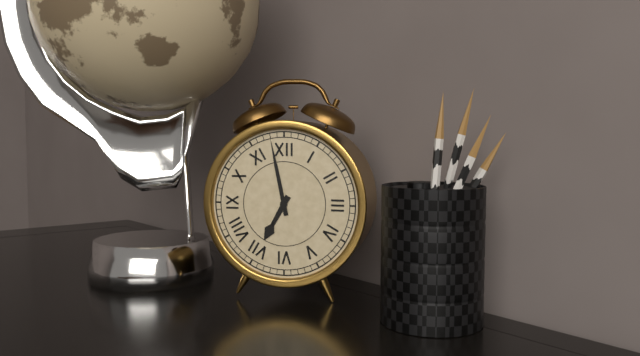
6:58
